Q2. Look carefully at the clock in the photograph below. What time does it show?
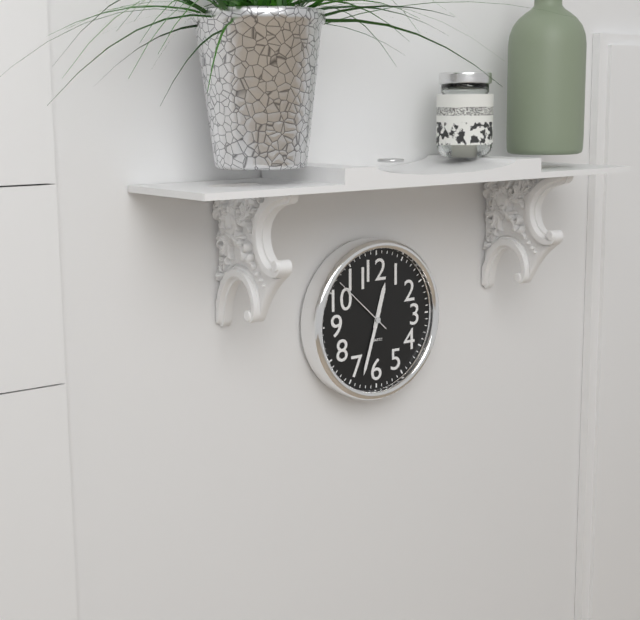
12:33:52
